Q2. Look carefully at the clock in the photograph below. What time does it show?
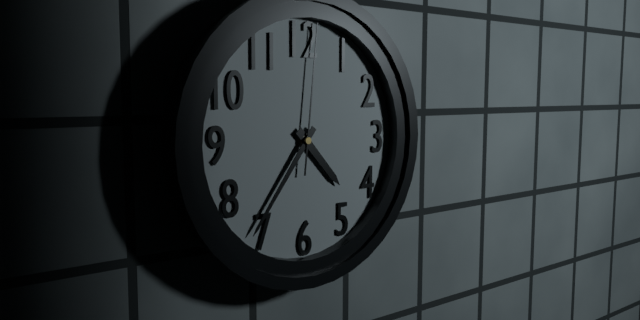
4:36:01
